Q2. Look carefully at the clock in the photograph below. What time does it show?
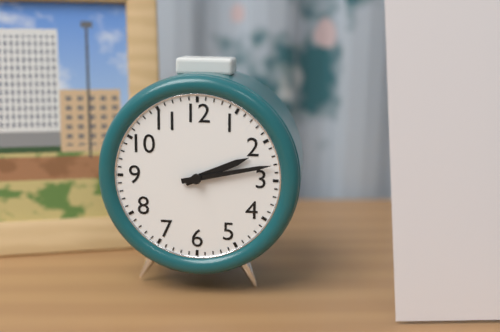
2:13
